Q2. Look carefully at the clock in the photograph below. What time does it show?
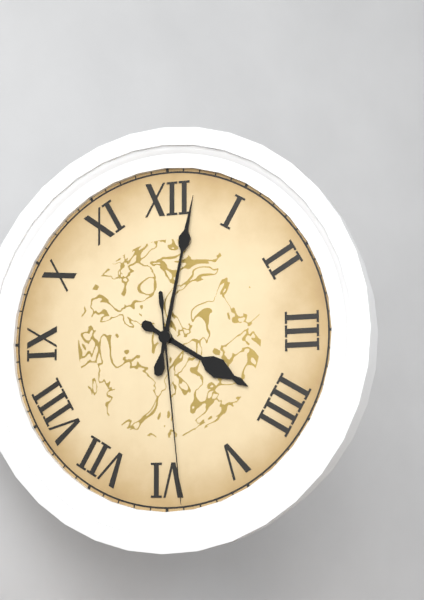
4:02:29
